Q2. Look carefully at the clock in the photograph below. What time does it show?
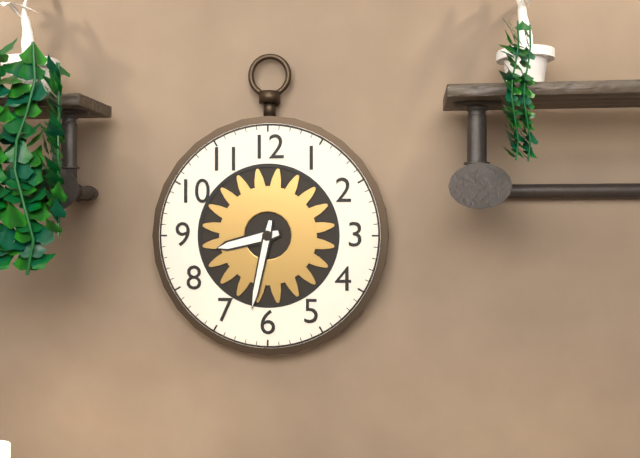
8:32
